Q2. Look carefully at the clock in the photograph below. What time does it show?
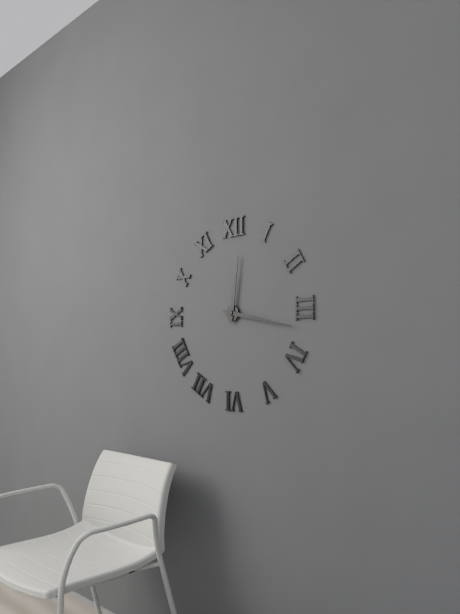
12:17
